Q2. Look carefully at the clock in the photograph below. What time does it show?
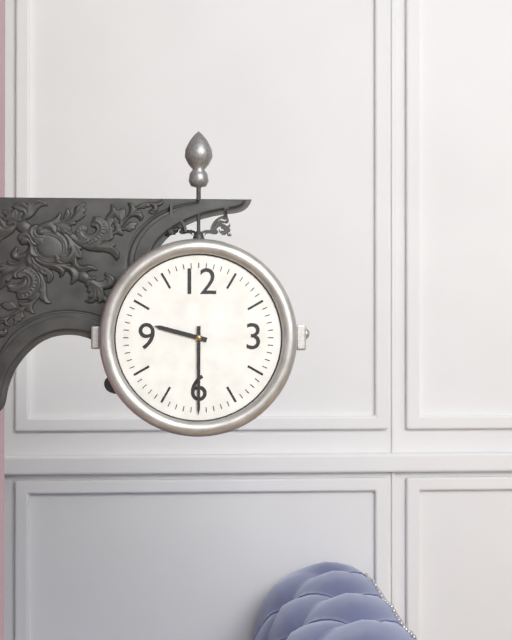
9:30
